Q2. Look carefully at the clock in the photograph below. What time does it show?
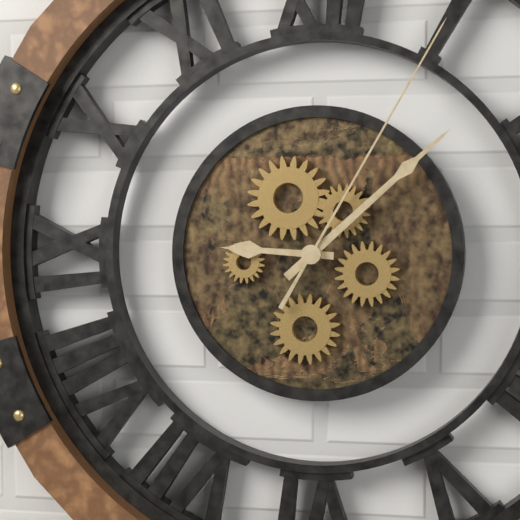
9:08:05
